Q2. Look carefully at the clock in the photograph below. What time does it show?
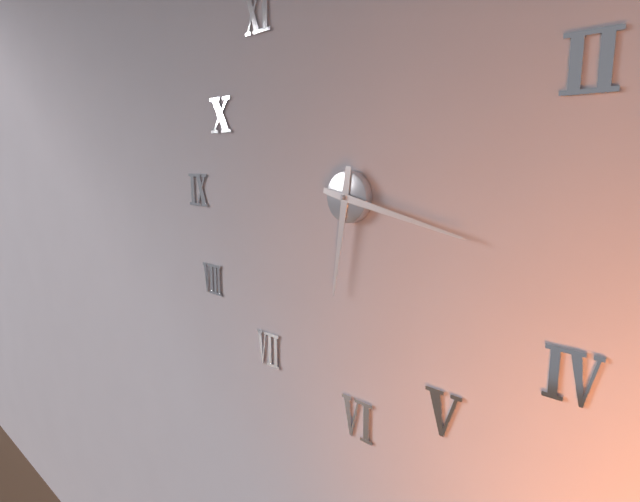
6:17
